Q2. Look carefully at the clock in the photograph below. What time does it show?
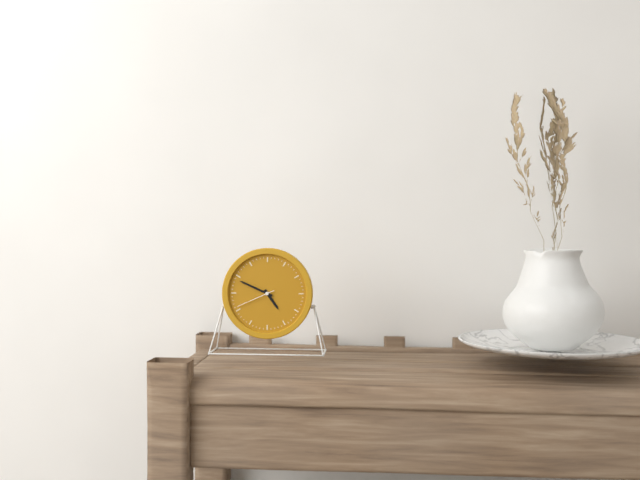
4:49
